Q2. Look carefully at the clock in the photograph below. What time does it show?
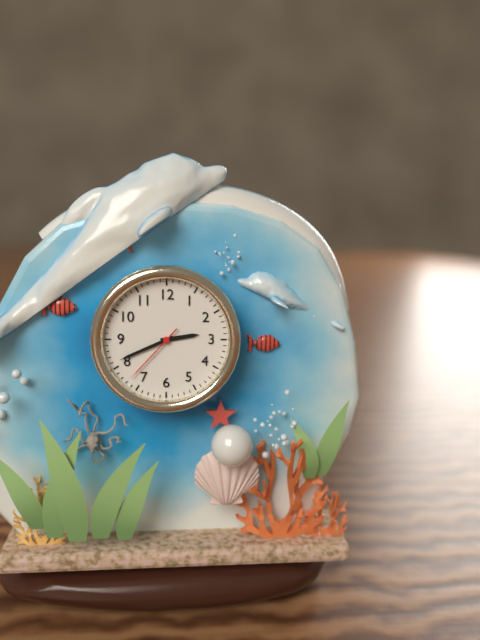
2:41:37
